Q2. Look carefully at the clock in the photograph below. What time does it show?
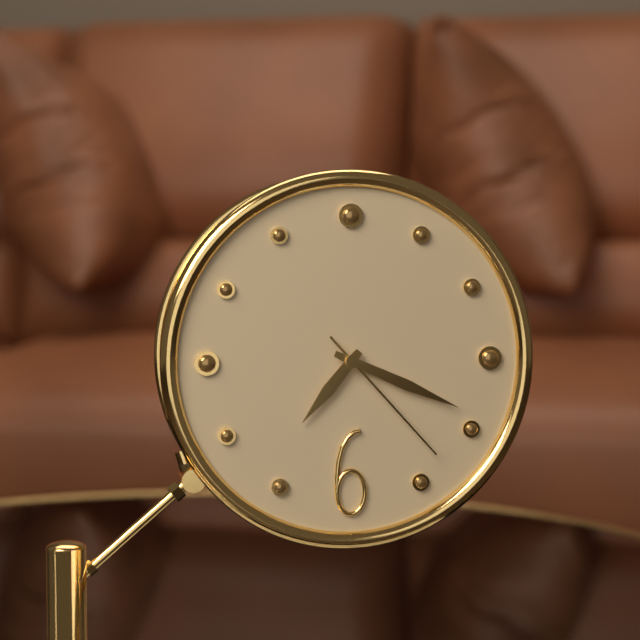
7:19:23
